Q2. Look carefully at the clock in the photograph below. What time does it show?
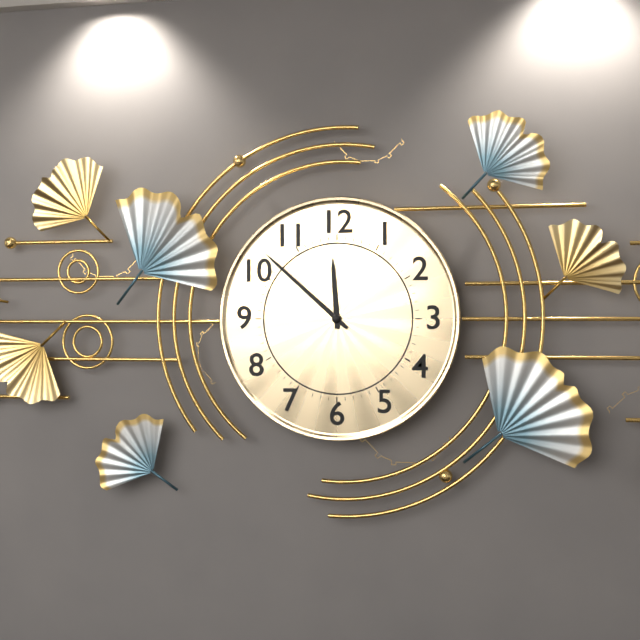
11:52
